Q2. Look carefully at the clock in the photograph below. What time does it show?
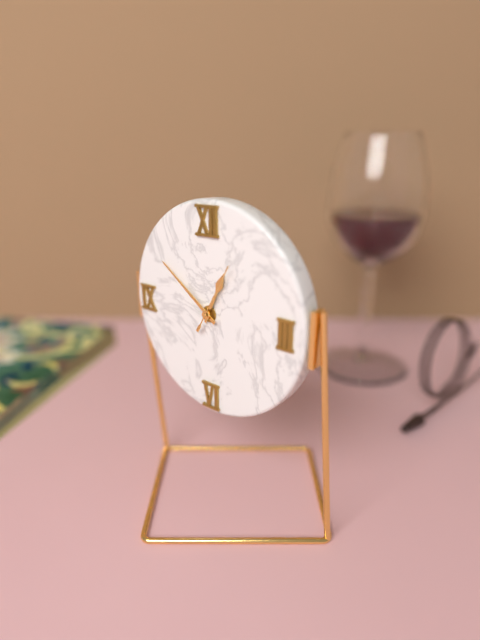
12:51:05
